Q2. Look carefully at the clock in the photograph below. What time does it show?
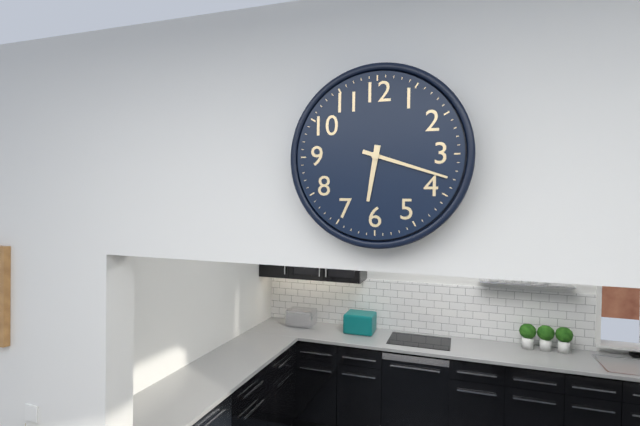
6:18
